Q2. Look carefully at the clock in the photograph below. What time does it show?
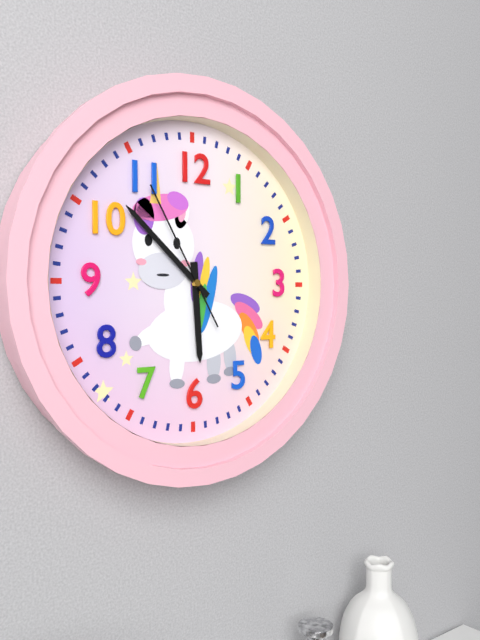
5:52:55
